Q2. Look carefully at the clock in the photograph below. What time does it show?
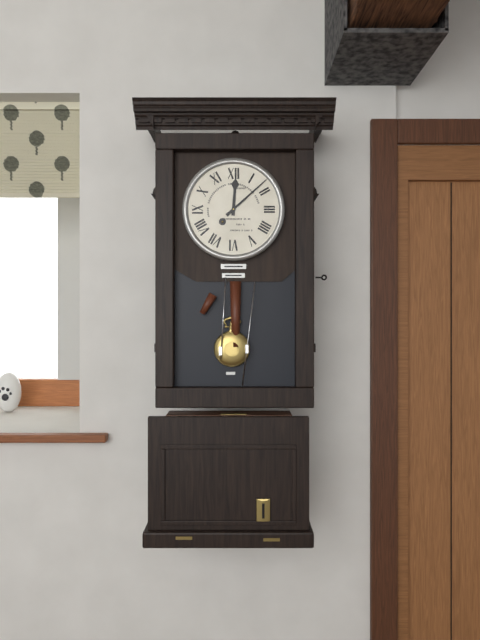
12:08
